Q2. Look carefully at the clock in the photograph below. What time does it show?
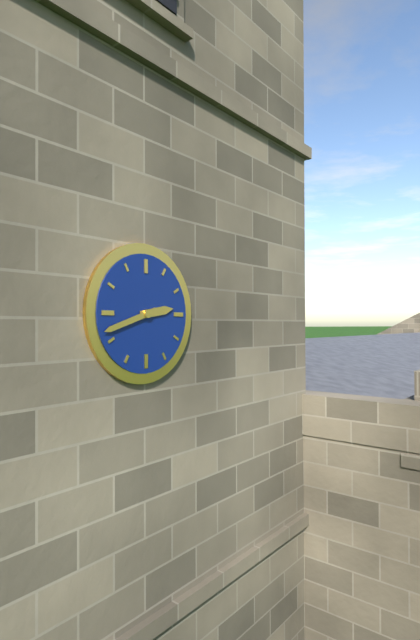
2:42
